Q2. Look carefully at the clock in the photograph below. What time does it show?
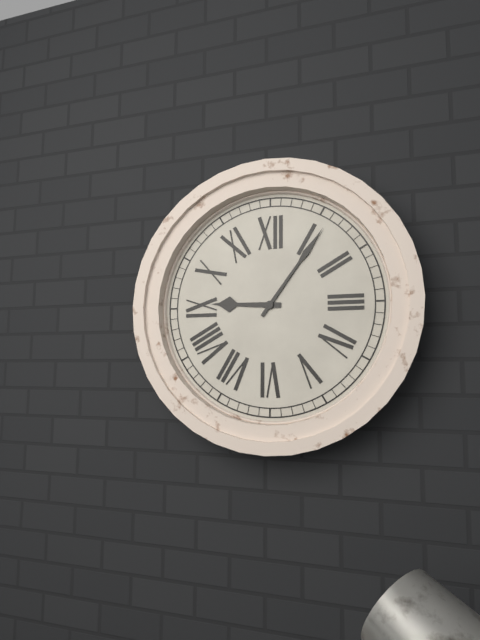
9:06
